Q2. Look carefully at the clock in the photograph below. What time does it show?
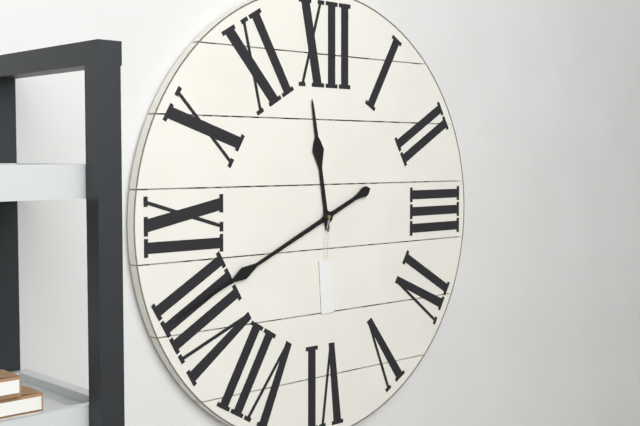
11:41
